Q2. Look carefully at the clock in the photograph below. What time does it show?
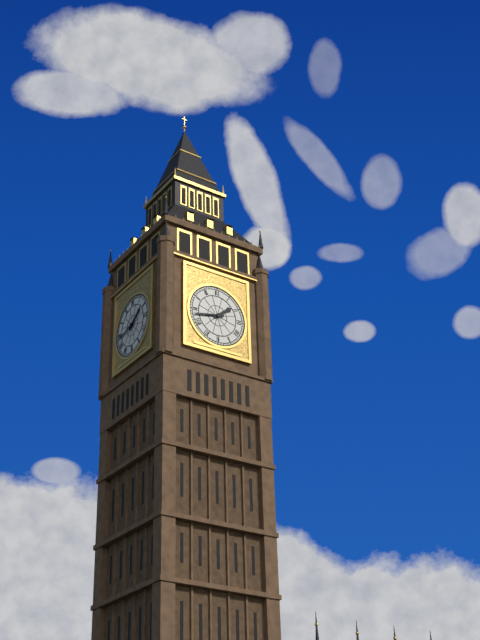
1:43
